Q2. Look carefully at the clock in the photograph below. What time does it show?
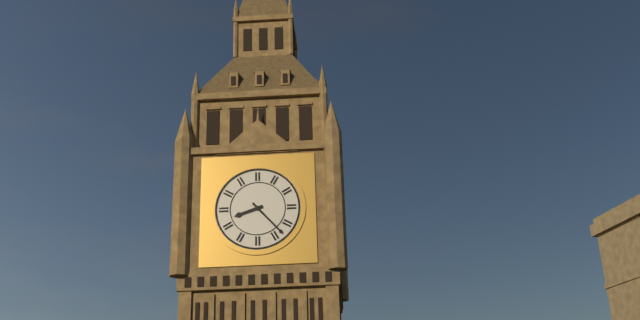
8:23
